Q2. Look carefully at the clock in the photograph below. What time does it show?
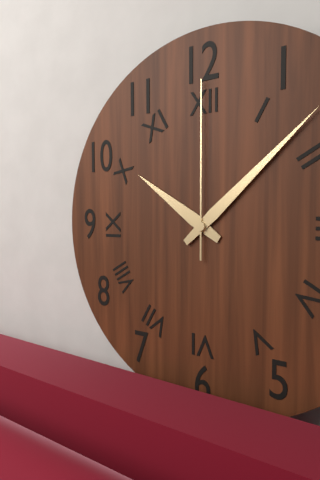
10:08:00
